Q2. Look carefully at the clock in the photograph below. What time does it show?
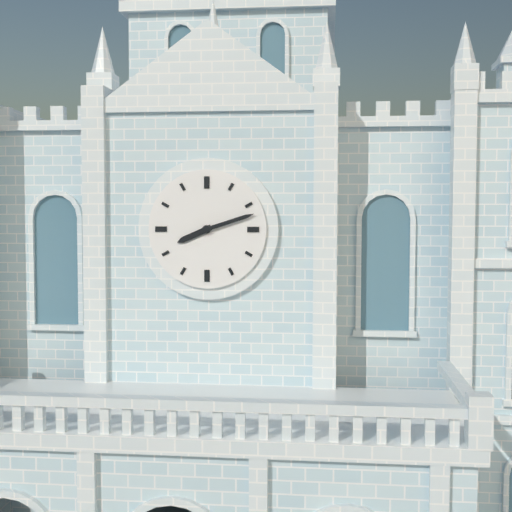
8:12
